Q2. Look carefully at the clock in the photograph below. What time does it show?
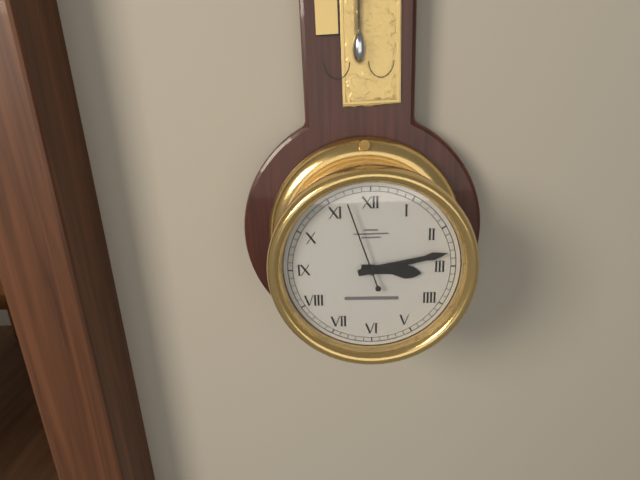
3:13:57
